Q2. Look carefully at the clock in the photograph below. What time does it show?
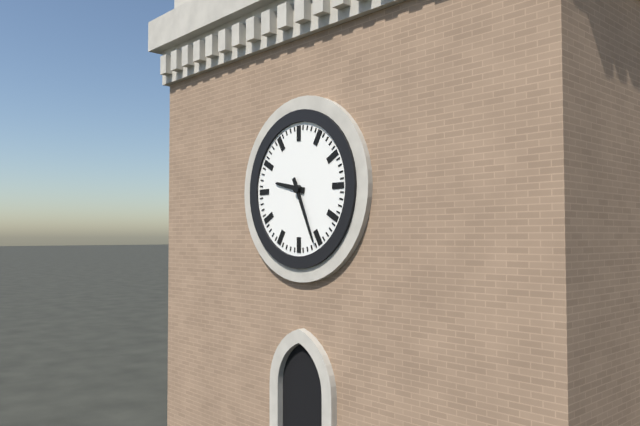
9:26
